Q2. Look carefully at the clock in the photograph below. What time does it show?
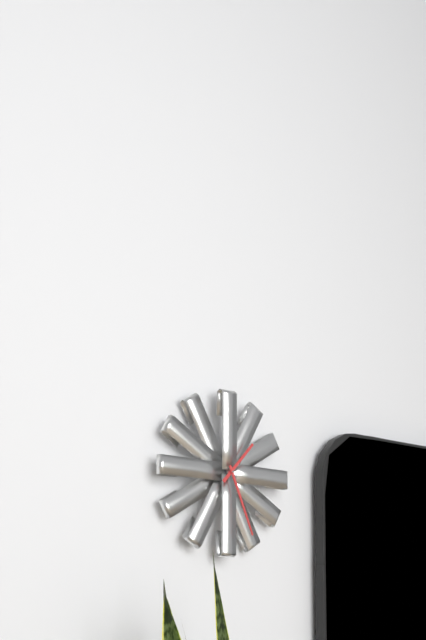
1:26
